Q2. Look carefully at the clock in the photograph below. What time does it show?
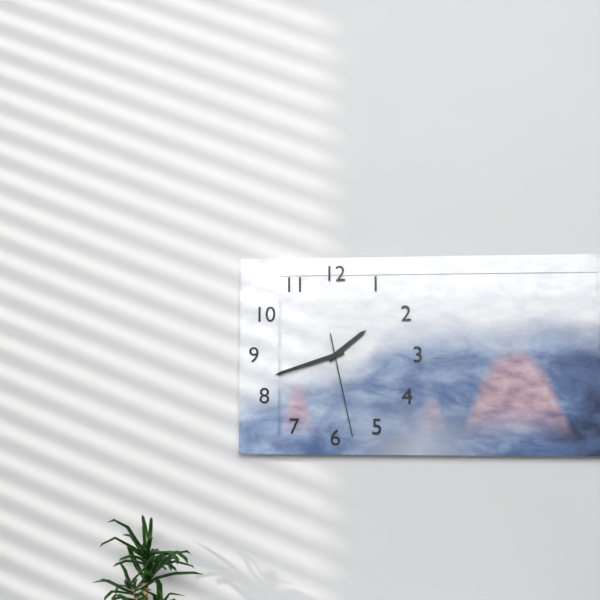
1:42:28
